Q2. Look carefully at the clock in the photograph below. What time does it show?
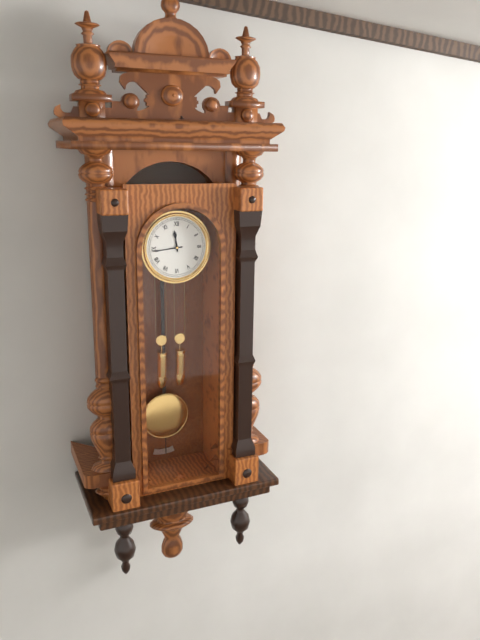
11:44
